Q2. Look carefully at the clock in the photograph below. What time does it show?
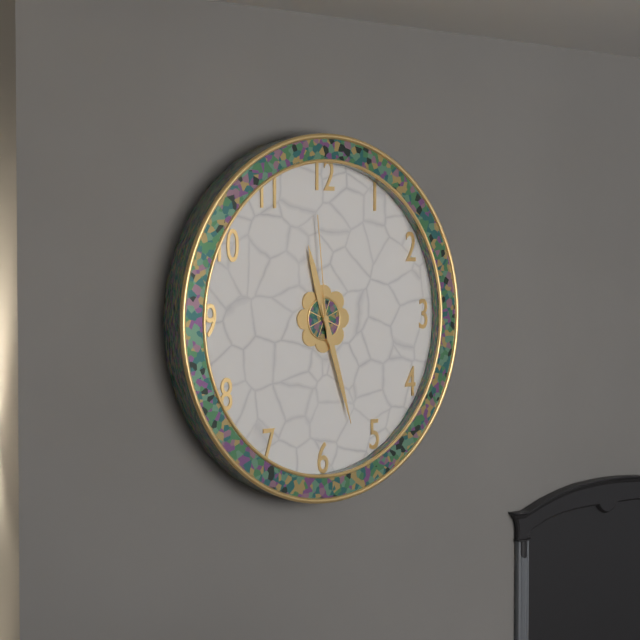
11:27:59
